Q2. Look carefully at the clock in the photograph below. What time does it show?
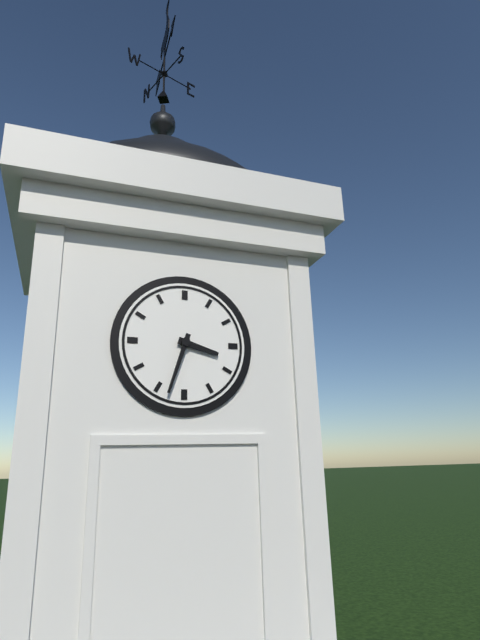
3:33
